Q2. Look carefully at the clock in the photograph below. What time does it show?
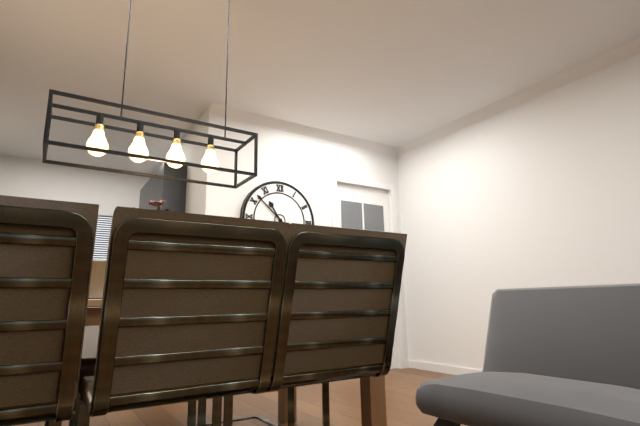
10:52
